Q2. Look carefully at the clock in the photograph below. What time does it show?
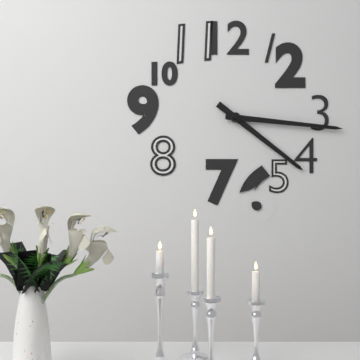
4:16
